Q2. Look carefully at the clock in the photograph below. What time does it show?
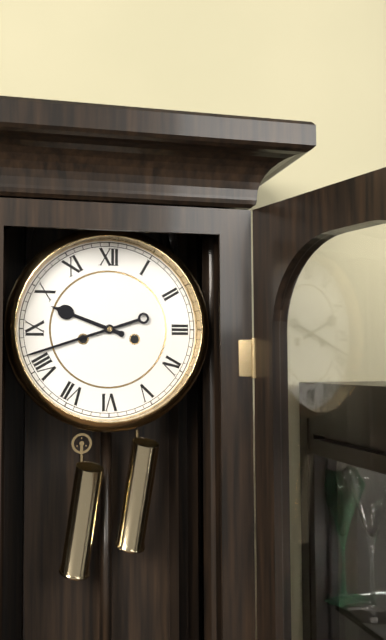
9:42
